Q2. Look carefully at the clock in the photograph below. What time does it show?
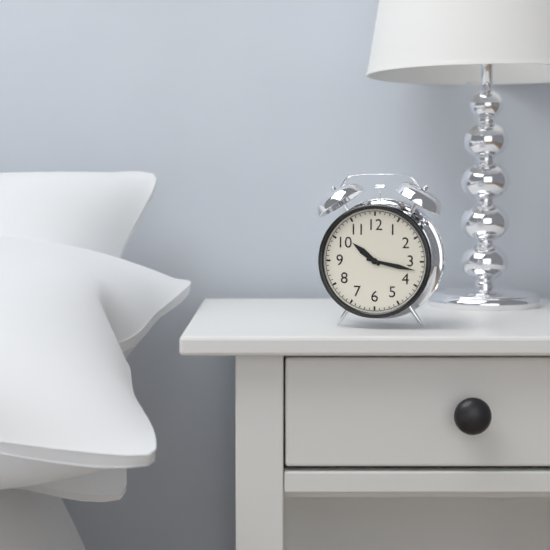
10:17
